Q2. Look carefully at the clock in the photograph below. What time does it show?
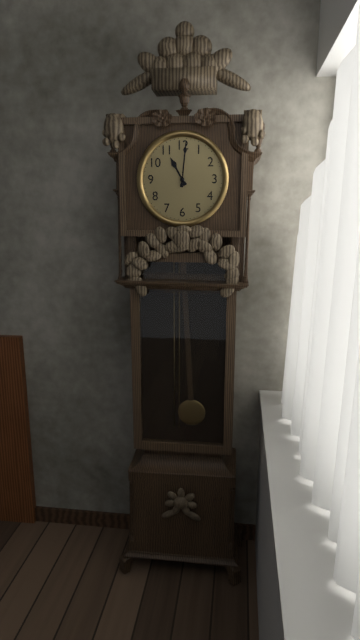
11:01
